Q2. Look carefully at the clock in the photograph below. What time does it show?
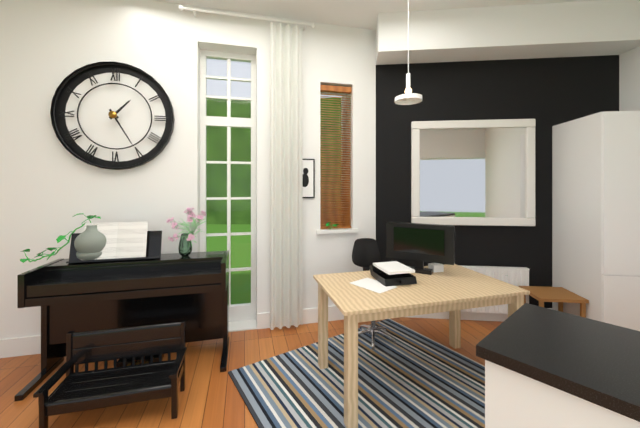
1:25
